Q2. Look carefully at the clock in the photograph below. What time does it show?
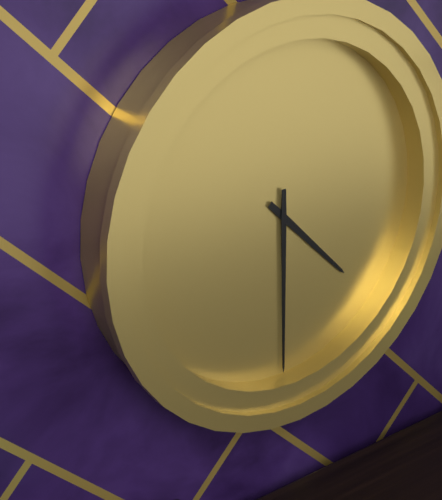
4:30
